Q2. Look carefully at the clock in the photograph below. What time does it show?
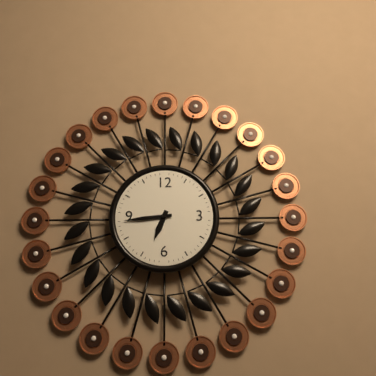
6:44
